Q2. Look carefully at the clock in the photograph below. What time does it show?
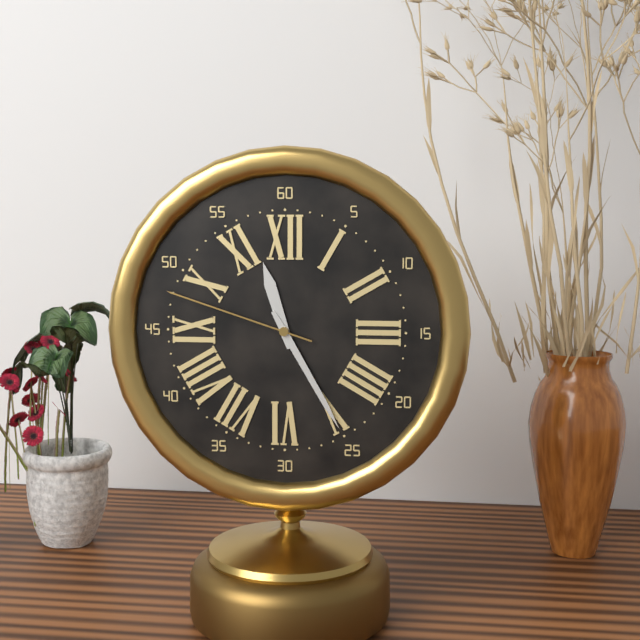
11:25:48
